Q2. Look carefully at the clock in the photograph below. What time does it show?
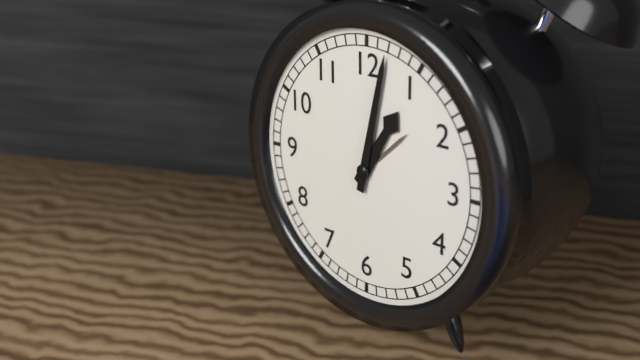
1:02
